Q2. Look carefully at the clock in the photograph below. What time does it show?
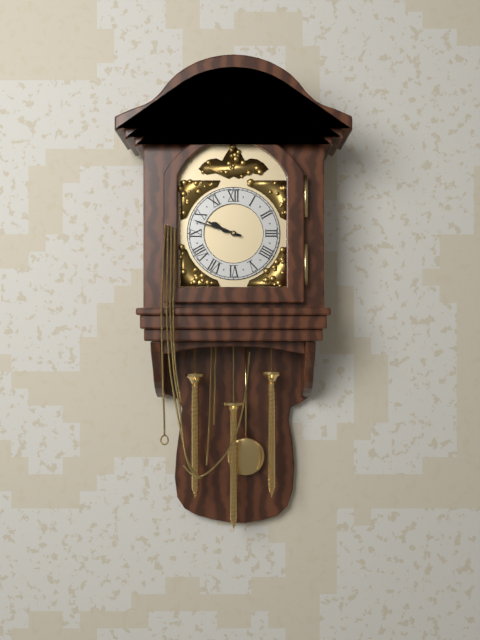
9:48
